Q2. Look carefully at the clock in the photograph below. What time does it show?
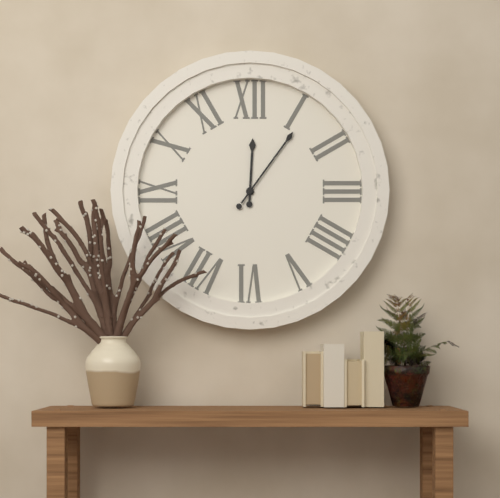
12:06
